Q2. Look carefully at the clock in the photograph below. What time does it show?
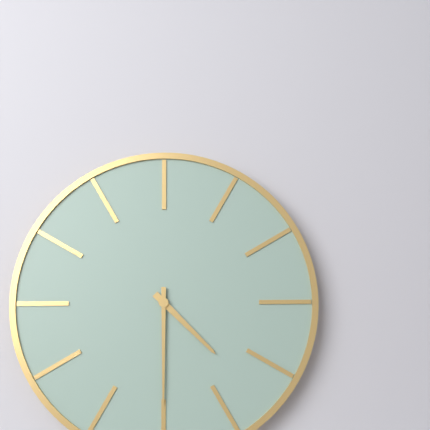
4:30
